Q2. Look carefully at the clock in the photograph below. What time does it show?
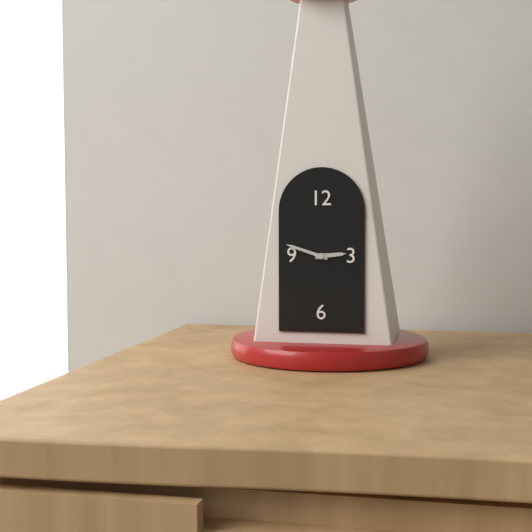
2:48
